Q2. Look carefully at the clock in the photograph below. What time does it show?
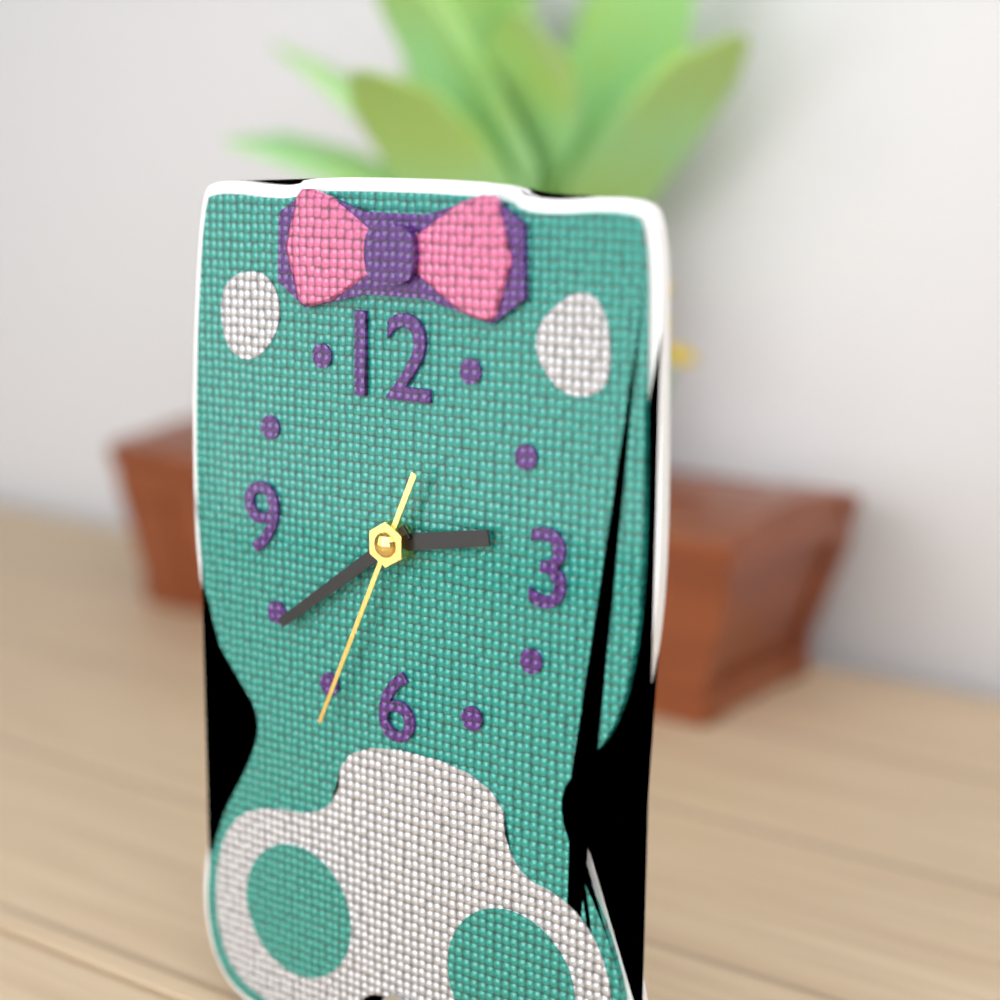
2:39:34
